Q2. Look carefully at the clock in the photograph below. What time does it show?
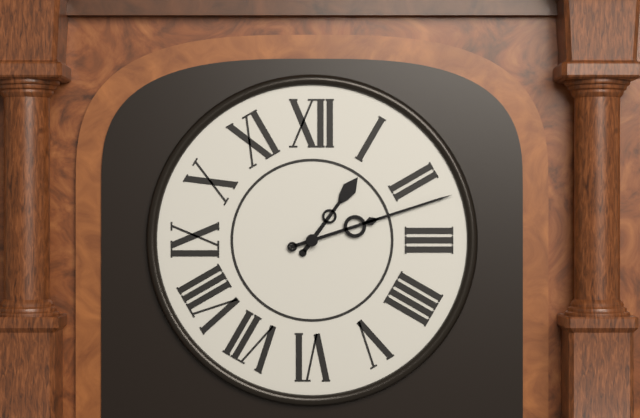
1:12
